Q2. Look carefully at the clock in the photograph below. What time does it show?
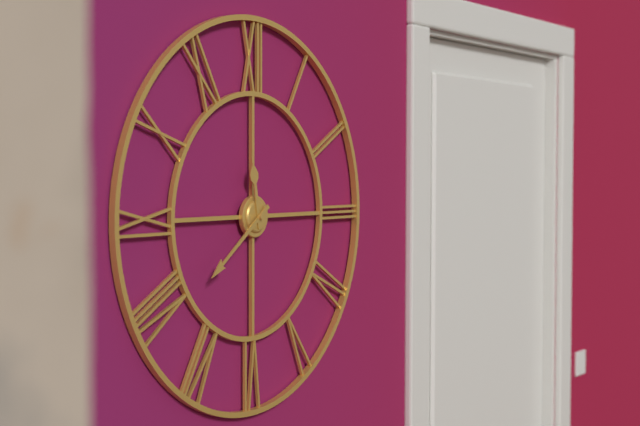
11:39
